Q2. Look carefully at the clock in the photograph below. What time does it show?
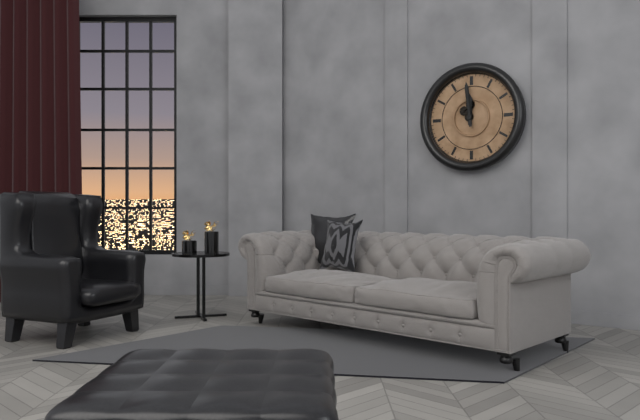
11:59
